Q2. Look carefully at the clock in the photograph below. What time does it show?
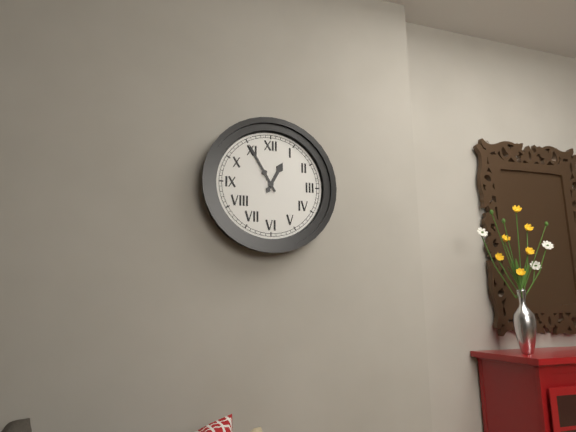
12:55
